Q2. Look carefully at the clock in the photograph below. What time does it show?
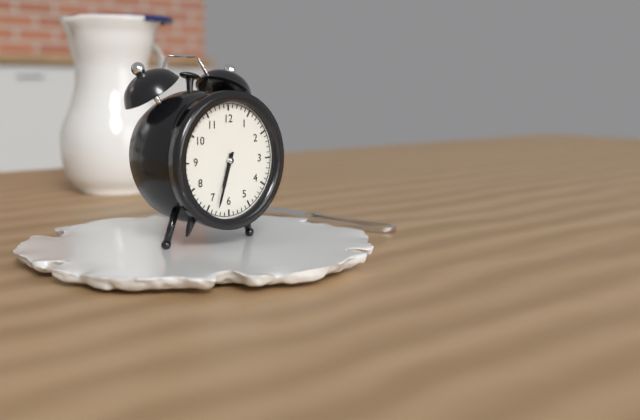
6:33
